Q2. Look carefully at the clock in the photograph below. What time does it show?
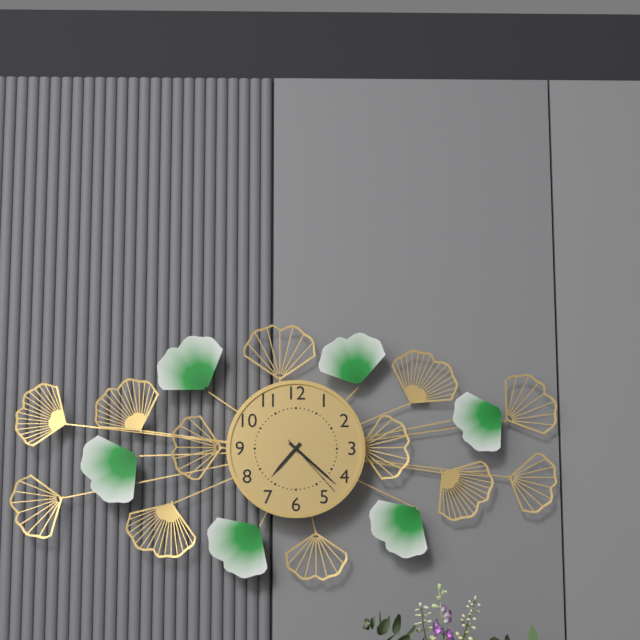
7:22:23
